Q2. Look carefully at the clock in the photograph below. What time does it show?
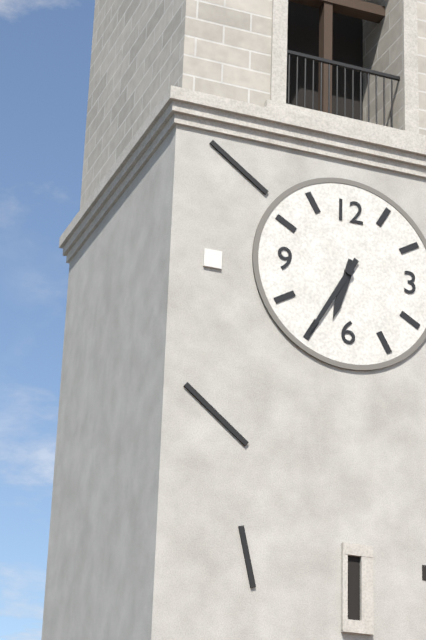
6:35
